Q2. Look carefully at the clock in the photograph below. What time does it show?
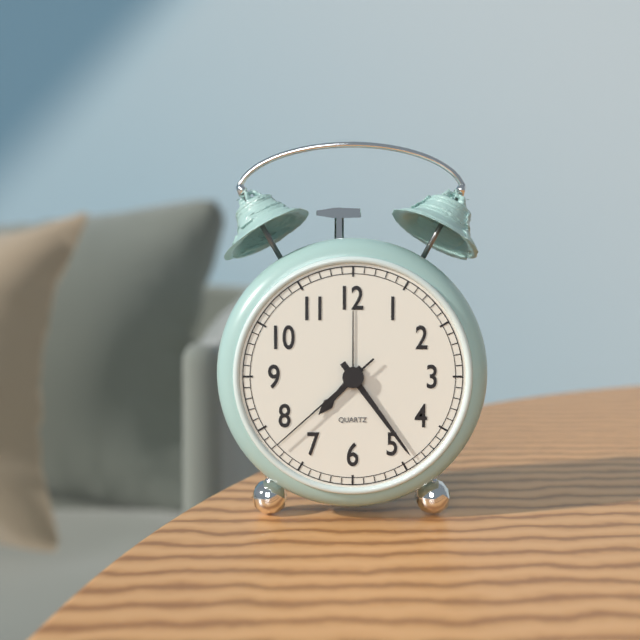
7:24:38
